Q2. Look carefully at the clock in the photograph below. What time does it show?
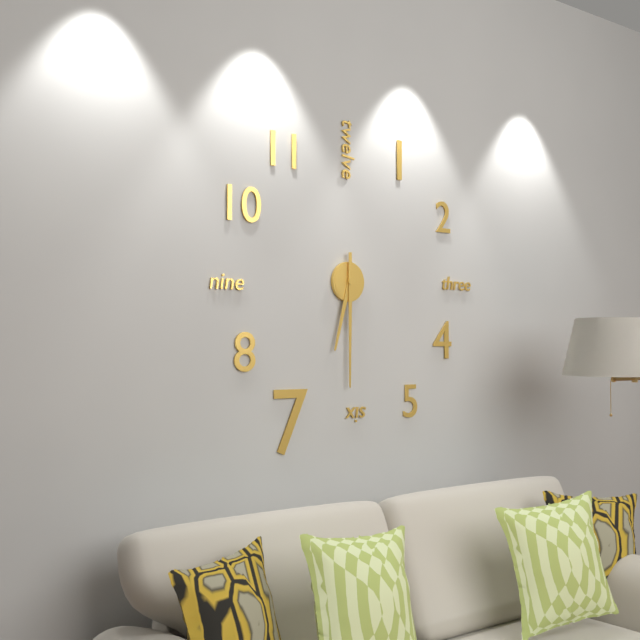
6:30
